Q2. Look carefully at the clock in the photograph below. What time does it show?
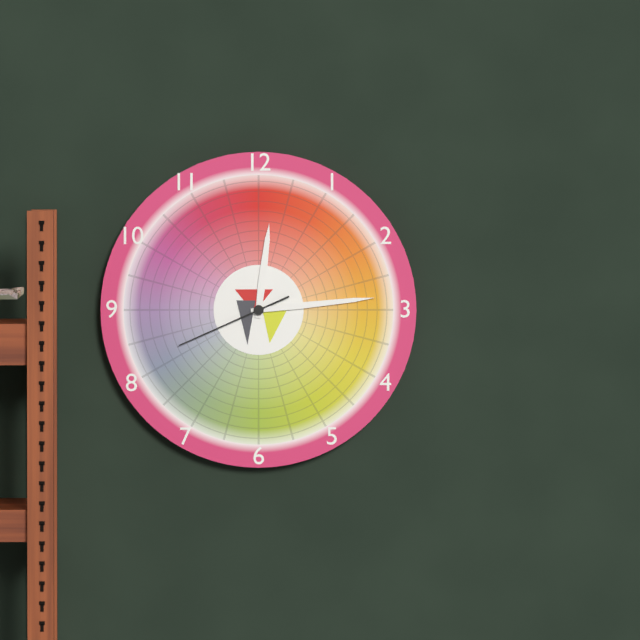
12:14:41
